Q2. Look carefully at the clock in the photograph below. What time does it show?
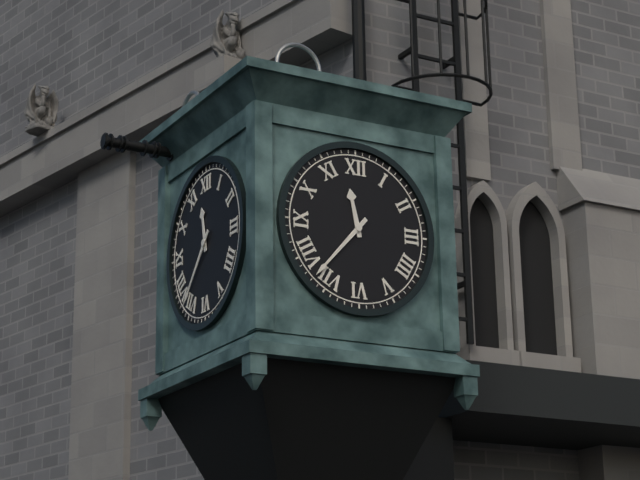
11:37
